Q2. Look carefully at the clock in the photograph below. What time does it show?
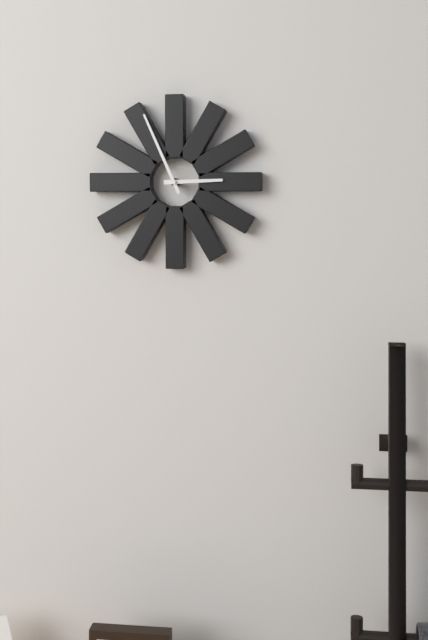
2:56
